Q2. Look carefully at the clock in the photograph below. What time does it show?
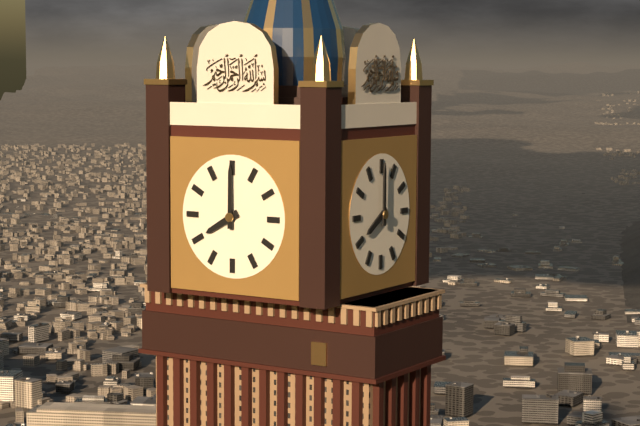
8:00
